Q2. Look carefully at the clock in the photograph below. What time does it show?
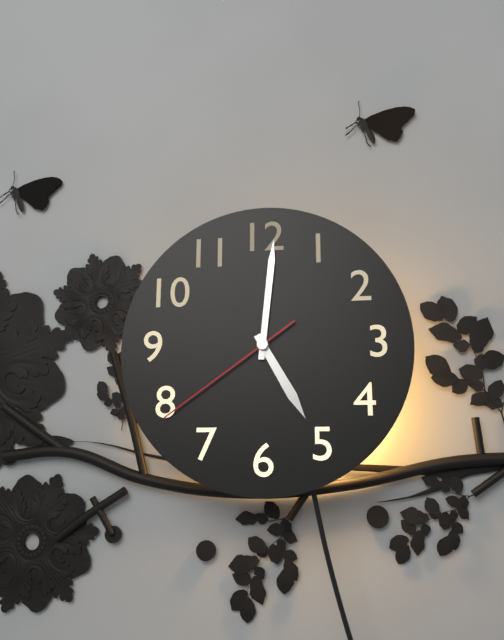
5:01:39
